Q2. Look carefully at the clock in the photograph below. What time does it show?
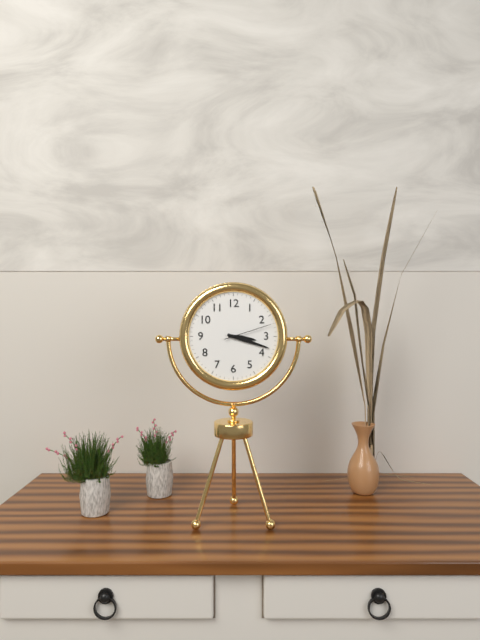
3:18
